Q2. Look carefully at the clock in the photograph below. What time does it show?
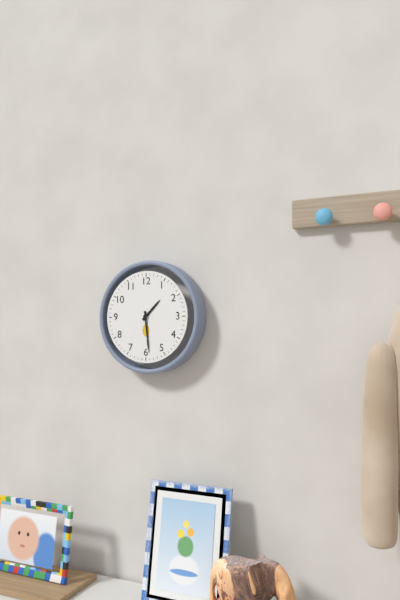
1:29
